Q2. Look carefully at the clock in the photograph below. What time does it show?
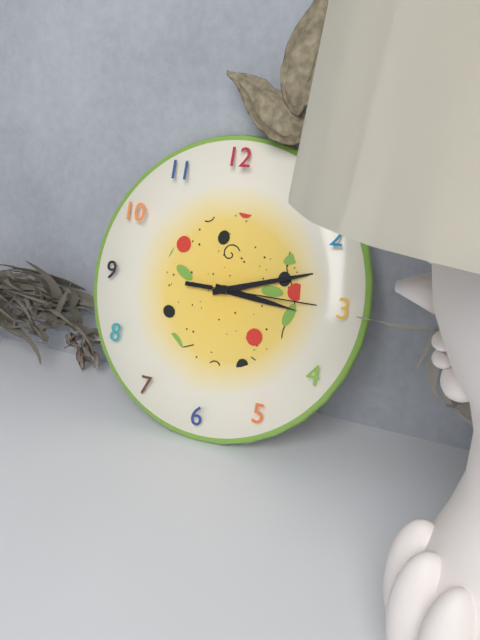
3:12:15
